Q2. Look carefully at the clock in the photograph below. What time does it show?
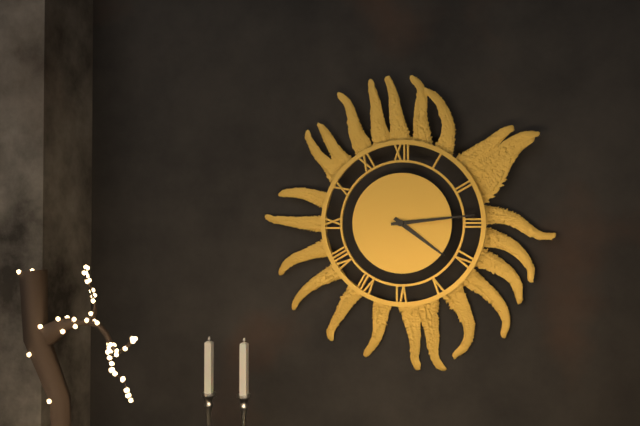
4:14
